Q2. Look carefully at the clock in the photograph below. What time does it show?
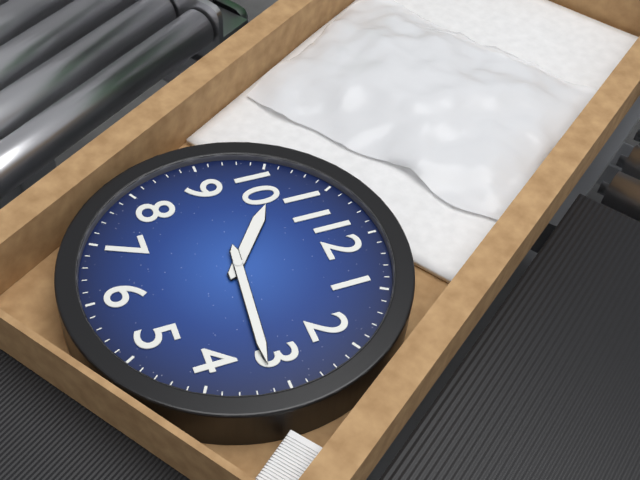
10:16
